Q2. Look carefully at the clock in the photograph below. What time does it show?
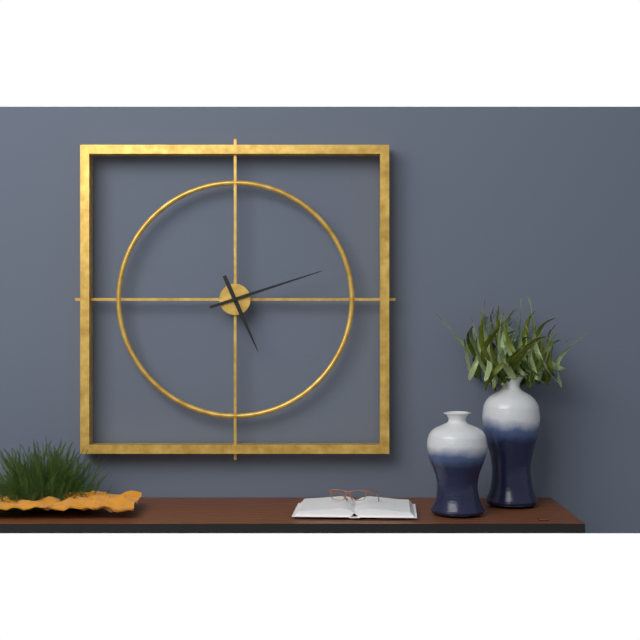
5:12
